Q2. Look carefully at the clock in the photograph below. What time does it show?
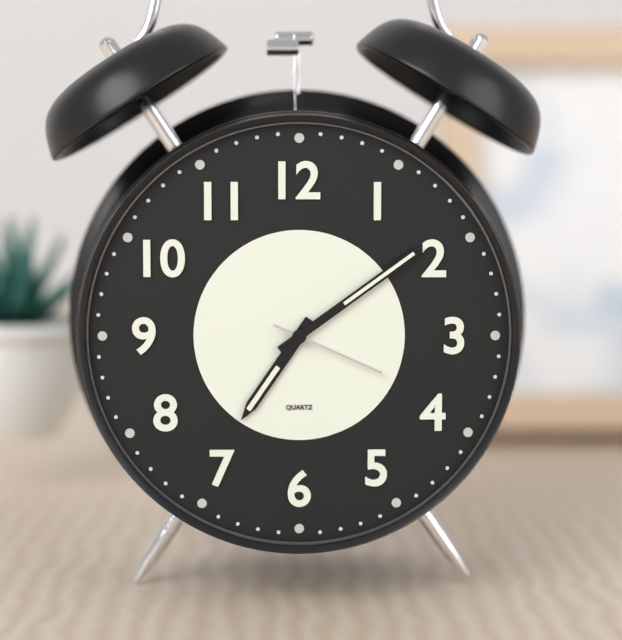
7:09:19
